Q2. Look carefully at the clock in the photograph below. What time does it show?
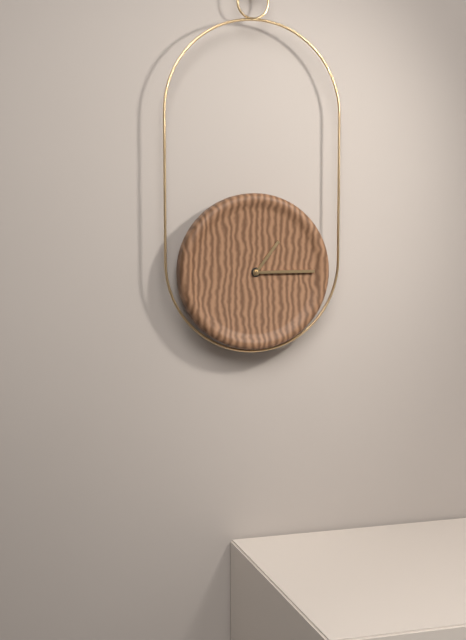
1:15
